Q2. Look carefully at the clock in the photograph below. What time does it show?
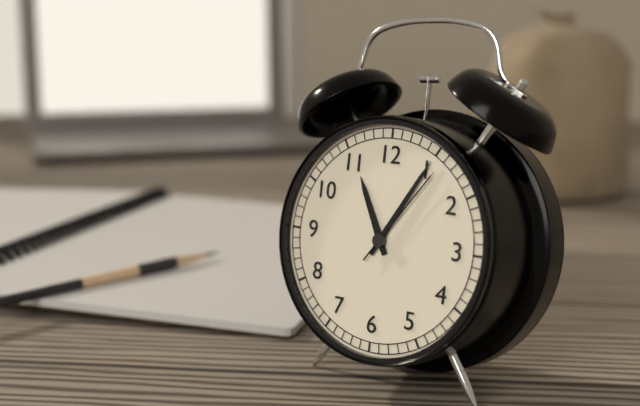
11:05:06
